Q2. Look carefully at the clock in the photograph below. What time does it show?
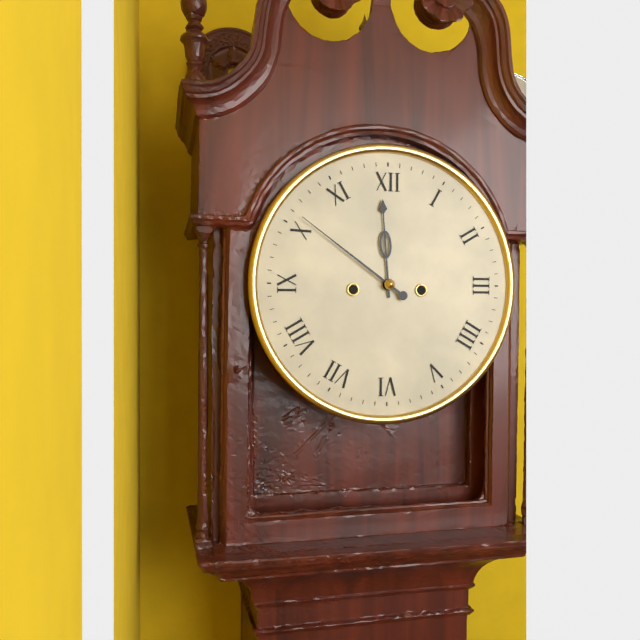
11:51
